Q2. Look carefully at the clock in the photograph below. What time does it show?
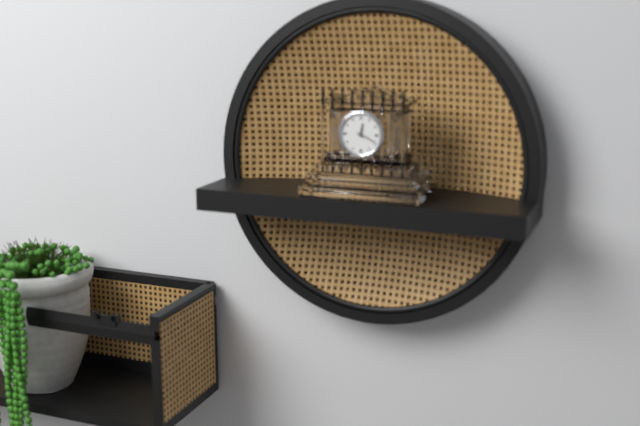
12:19
